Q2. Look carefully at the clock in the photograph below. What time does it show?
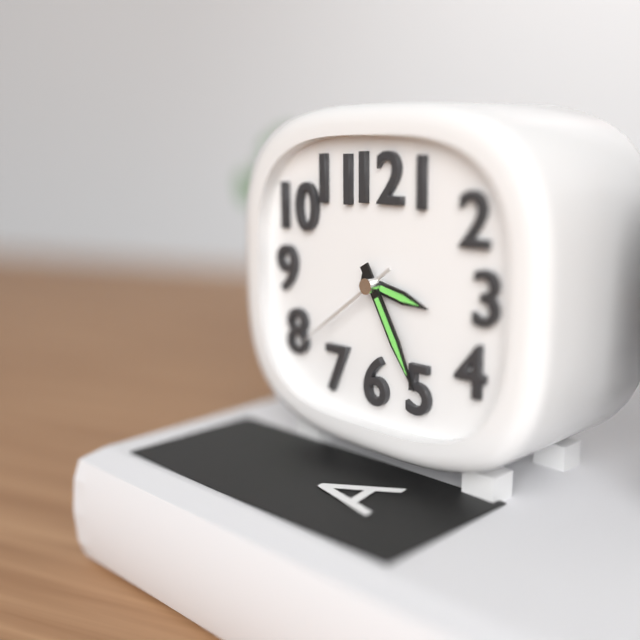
3:25:39
